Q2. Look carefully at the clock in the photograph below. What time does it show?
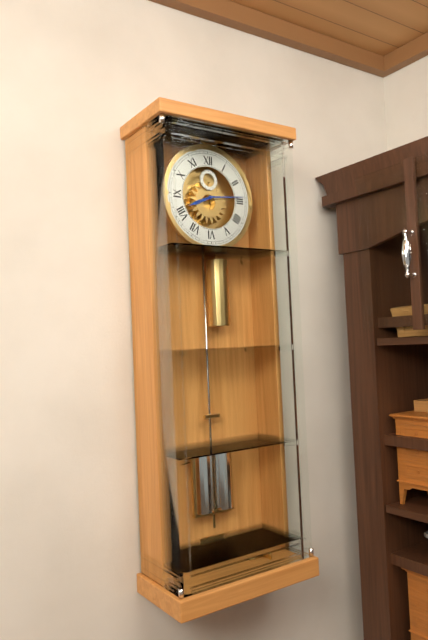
8:14
